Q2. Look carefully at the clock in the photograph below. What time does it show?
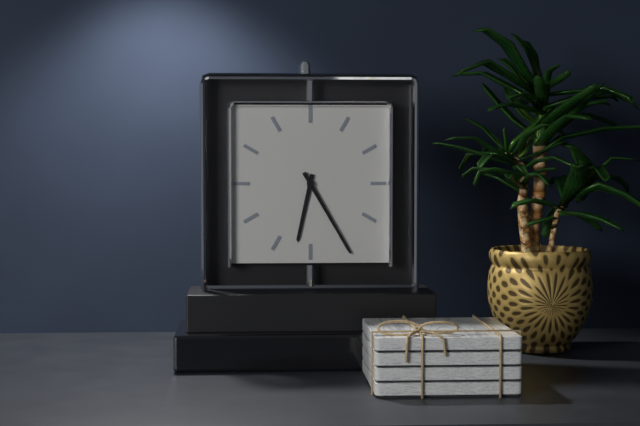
6:25
